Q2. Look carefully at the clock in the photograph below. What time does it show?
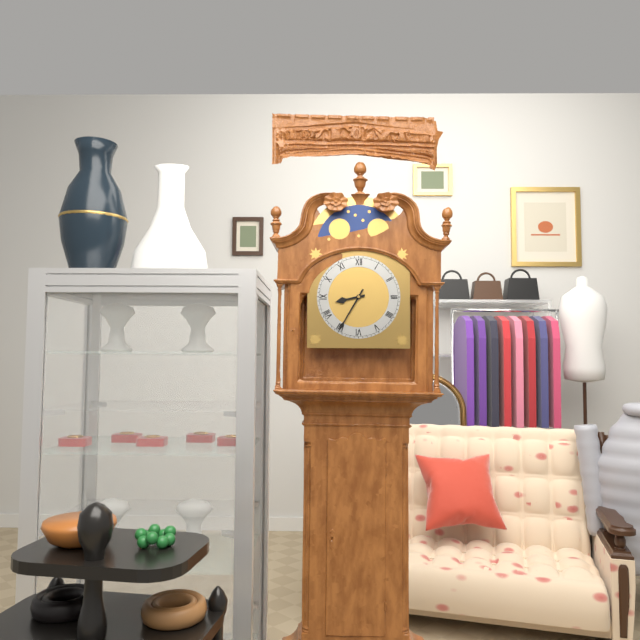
8:35
